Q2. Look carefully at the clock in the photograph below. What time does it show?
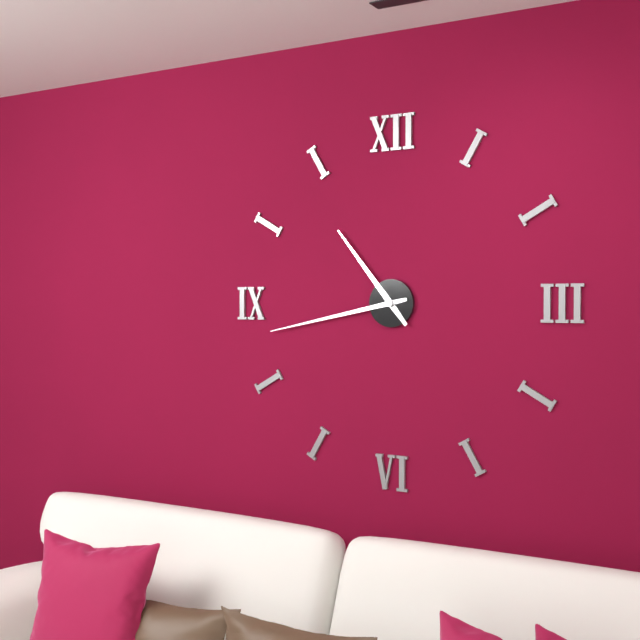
10:43
